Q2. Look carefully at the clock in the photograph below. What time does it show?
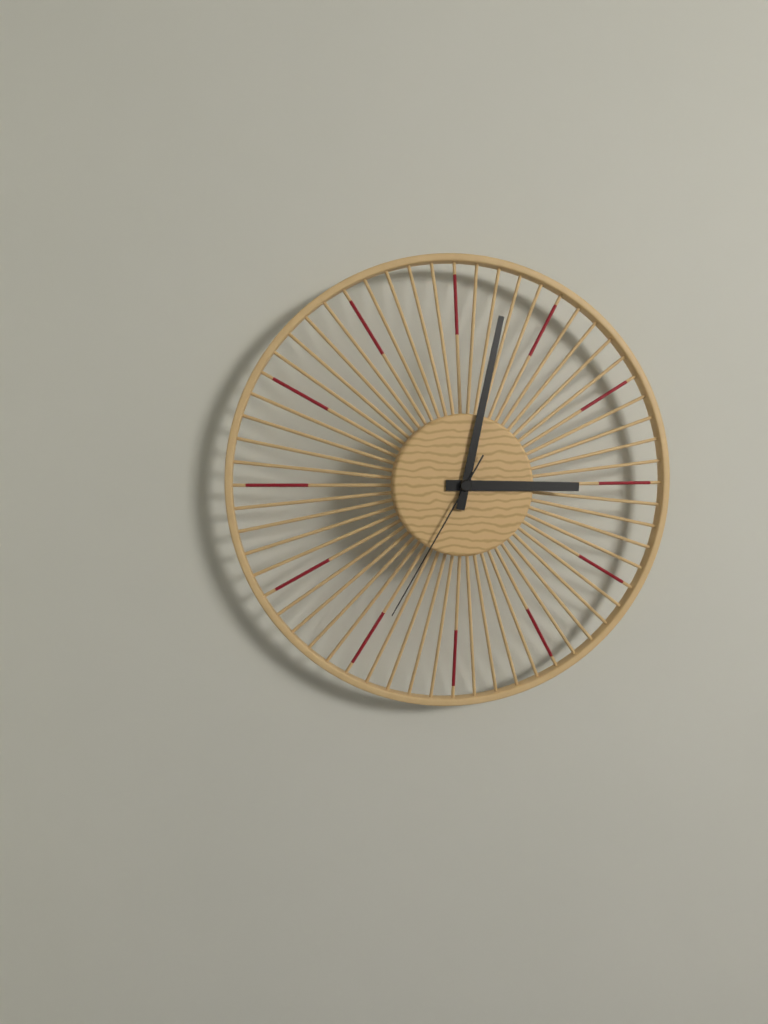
3:02:35
